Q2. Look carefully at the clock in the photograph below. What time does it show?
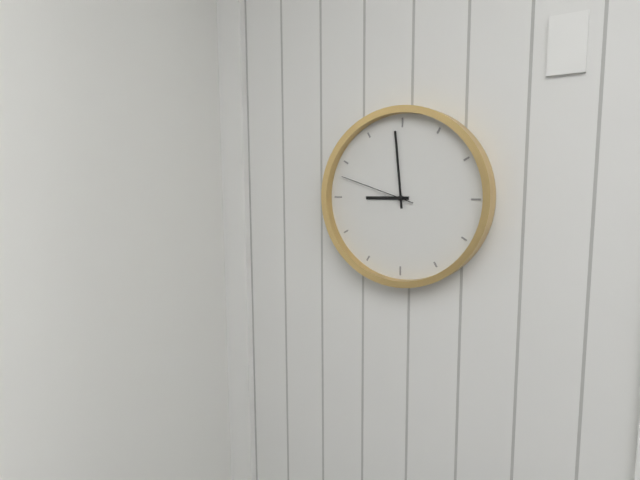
8:59:48
